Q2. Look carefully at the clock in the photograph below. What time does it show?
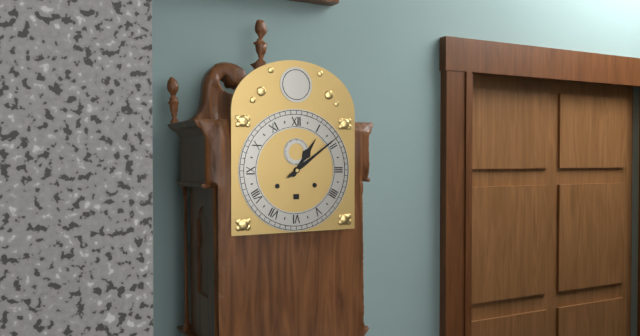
1:09
